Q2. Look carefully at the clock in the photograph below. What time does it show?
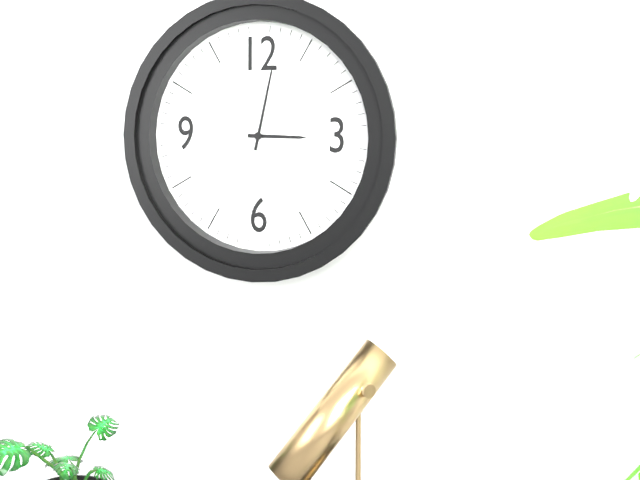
3:02
